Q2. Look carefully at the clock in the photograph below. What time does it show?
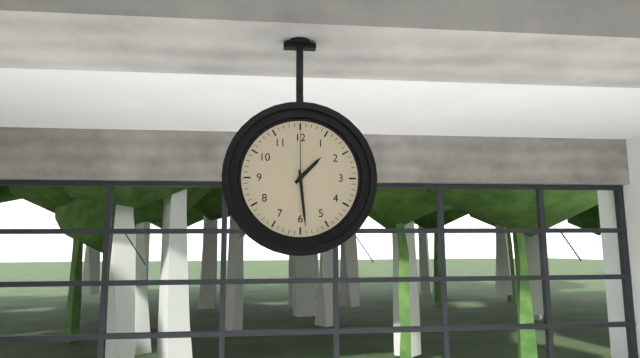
1:29:00
